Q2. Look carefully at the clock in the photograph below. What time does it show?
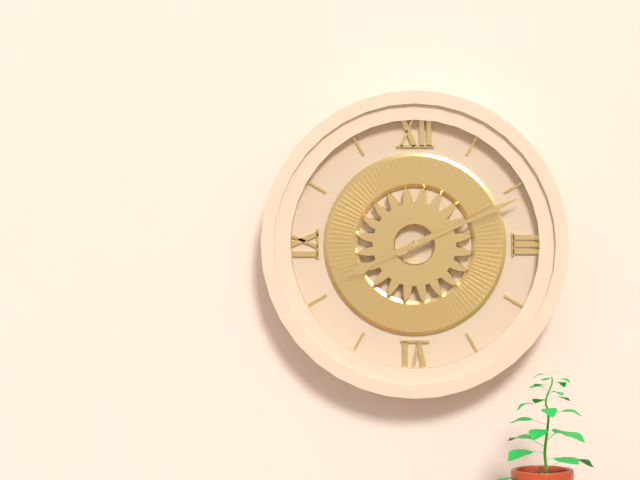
8:11
